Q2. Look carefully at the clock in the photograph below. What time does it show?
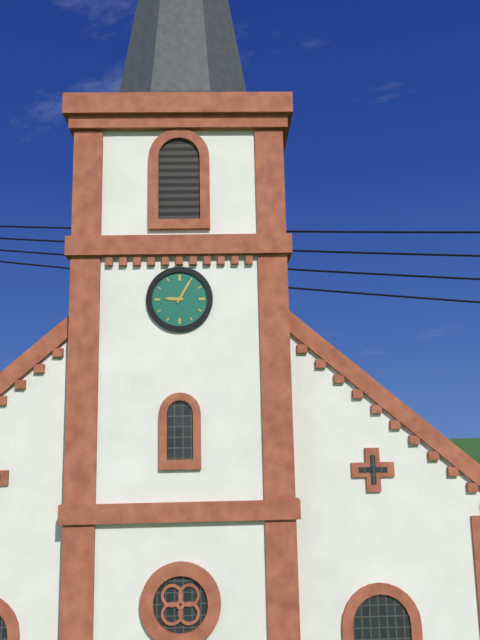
9:05
